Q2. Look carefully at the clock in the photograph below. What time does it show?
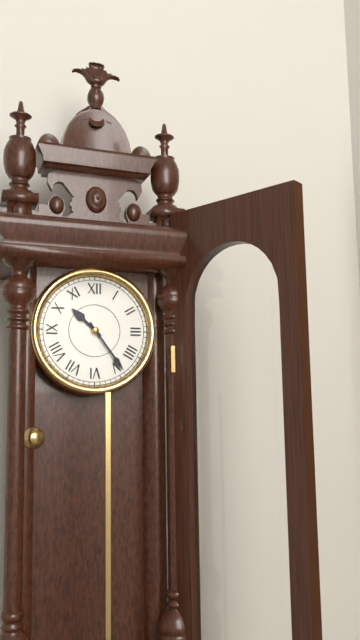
10:24
